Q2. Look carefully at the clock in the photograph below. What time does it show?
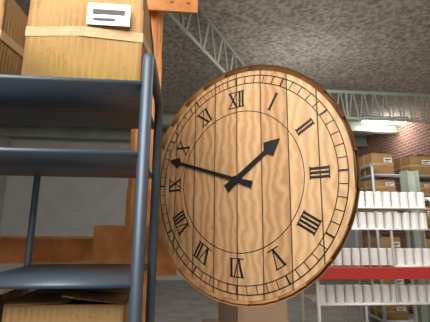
1:48
